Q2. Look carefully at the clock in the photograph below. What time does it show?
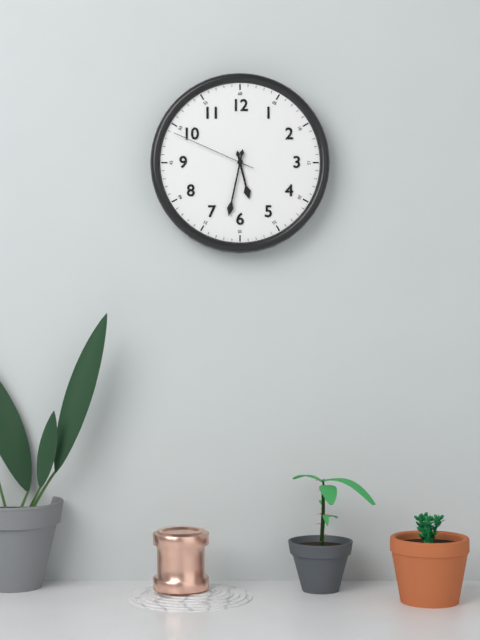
5:32:49
